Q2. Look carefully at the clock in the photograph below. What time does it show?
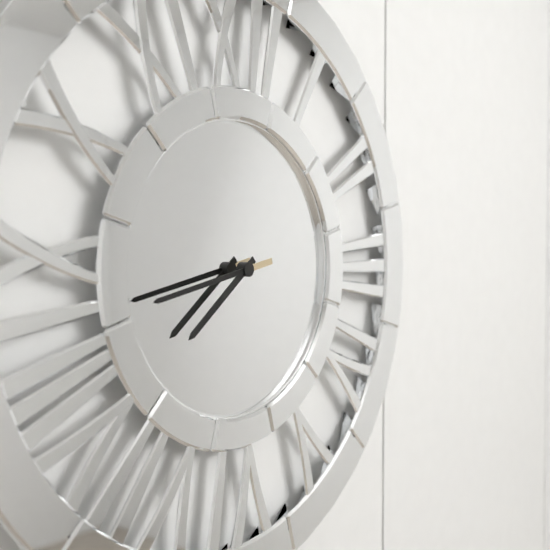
7:43
